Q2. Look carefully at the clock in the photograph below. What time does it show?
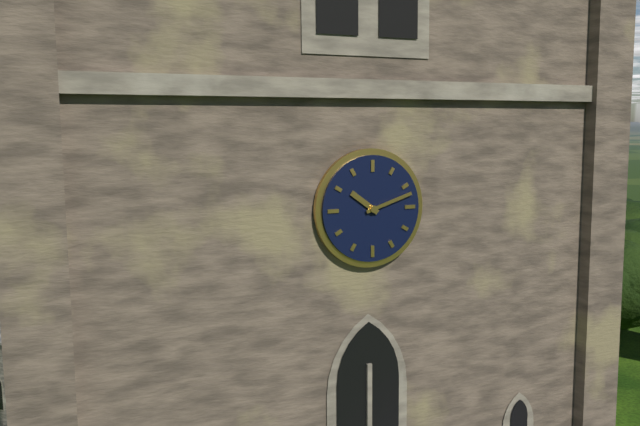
10:12
